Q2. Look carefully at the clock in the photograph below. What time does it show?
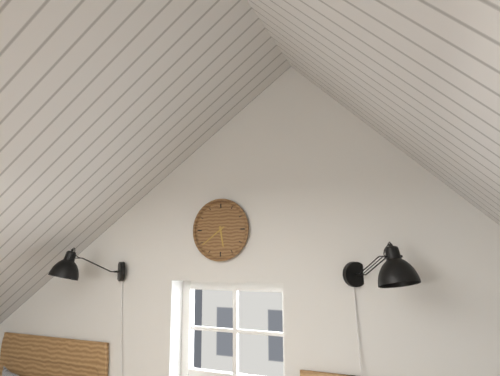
5:39
